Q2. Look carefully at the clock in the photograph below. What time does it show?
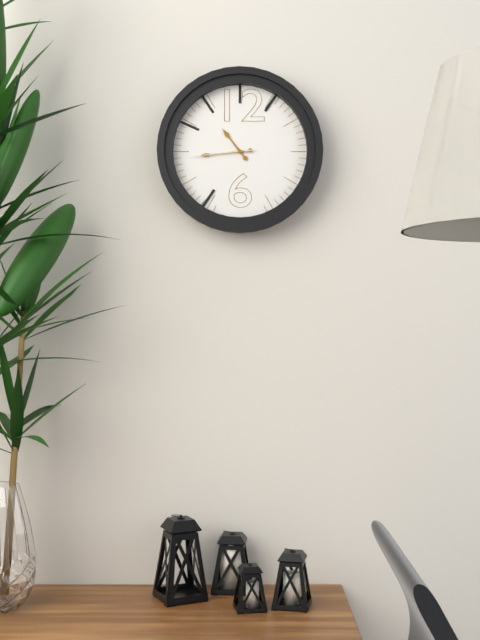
10:44:44
